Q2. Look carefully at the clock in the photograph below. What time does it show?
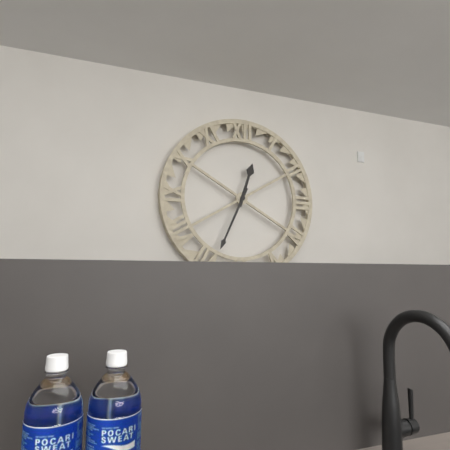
12:34
